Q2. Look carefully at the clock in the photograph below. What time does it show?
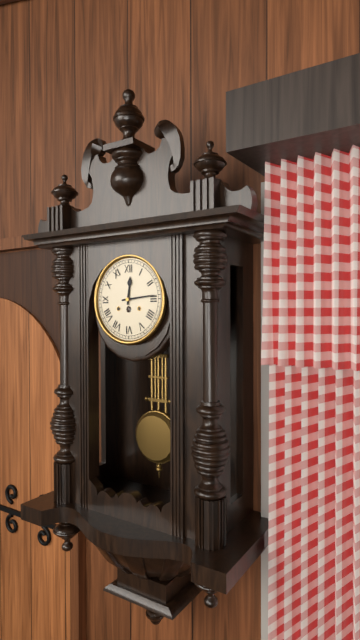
12:14
